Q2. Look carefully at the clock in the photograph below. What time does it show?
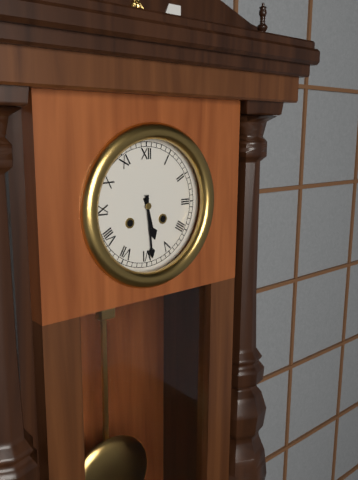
5:29
